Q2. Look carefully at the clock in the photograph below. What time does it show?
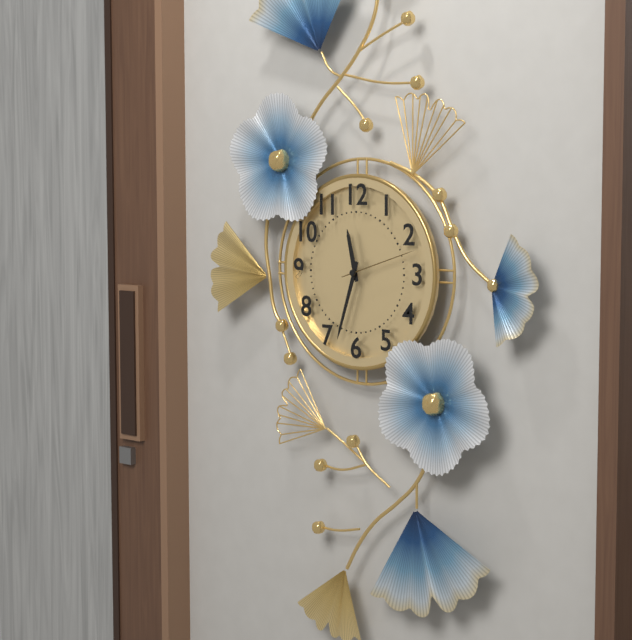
11:33:12
